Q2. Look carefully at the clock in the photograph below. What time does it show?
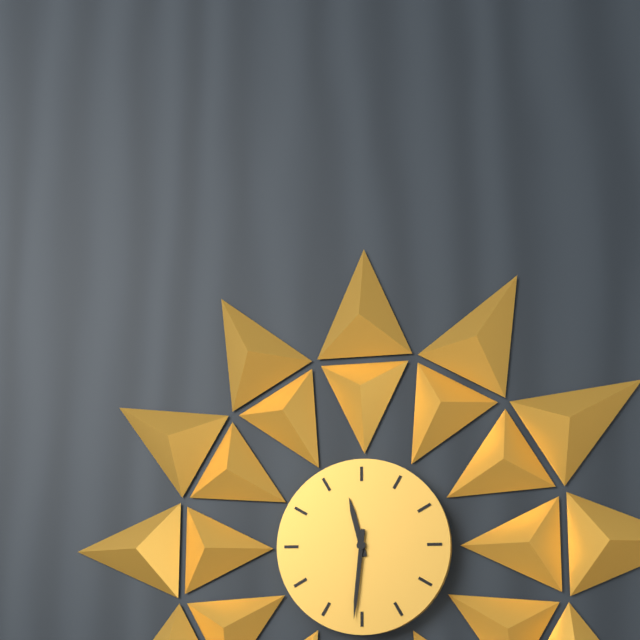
11:31
